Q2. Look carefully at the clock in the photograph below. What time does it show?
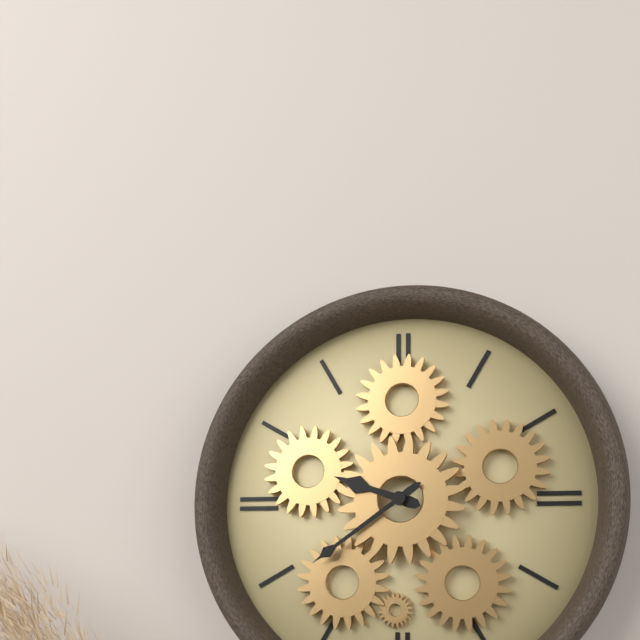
9:39
